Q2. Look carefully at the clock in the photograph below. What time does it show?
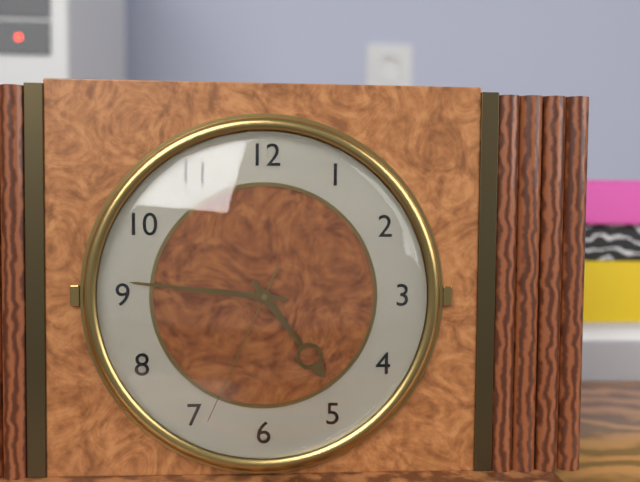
4:46:34
